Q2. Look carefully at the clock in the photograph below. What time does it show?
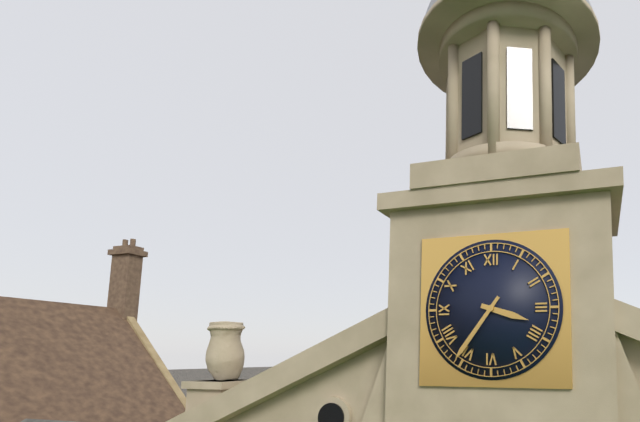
3:36
